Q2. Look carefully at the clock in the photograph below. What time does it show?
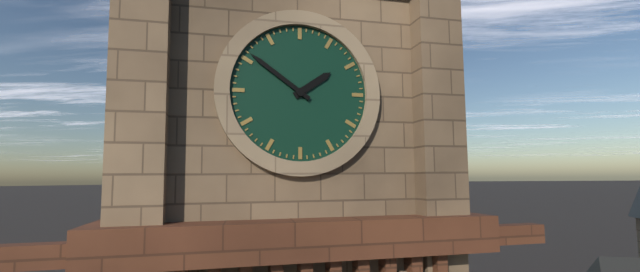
1:51
